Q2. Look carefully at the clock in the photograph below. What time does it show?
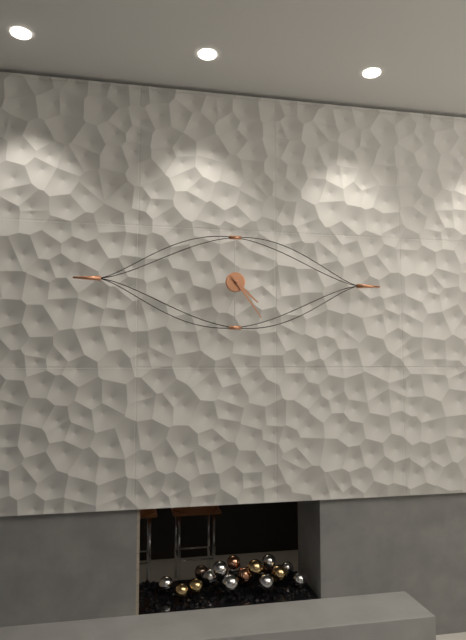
4:24
